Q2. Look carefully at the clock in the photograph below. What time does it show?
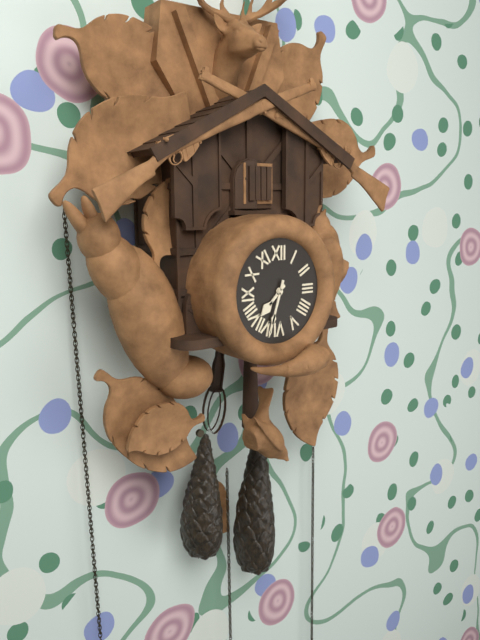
7:33
